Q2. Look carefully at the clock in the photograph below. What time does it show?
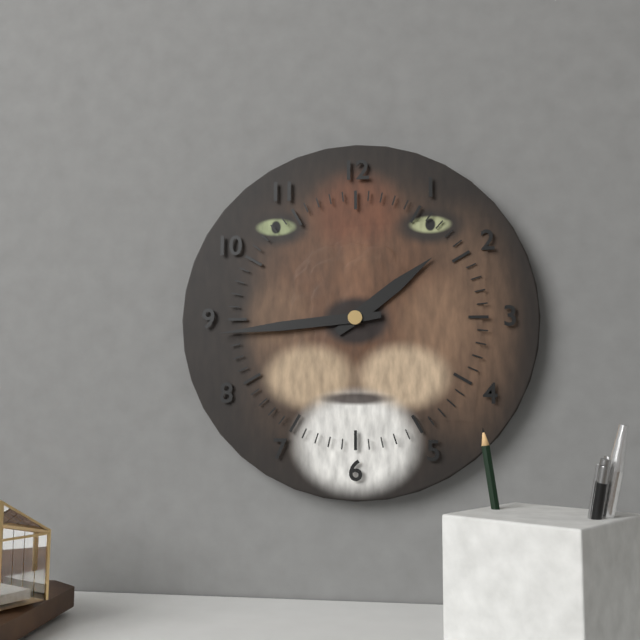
1:44
